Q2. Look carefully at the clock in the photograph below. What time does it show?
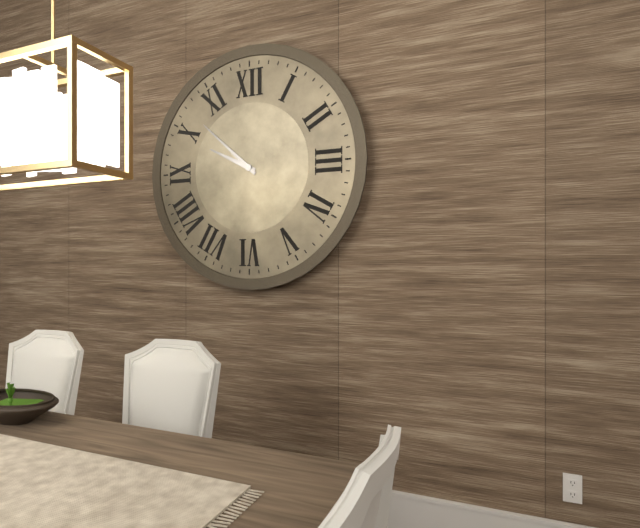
9:52
